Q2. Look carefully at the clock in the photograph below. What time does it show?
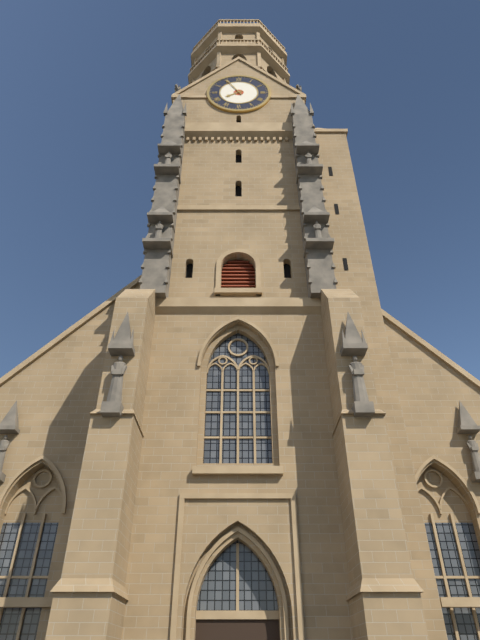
7:55
